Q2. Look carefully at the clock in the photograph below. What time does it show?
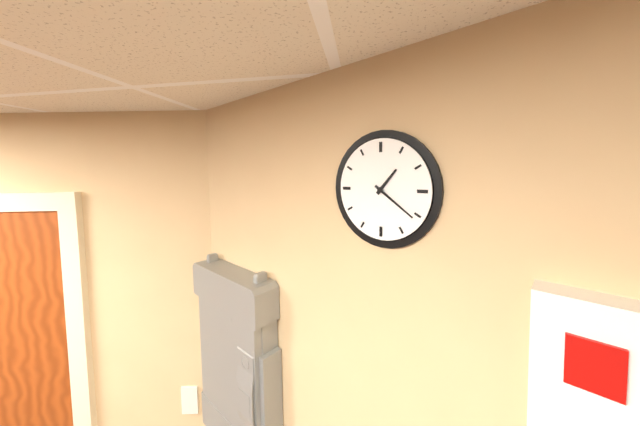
1:21
